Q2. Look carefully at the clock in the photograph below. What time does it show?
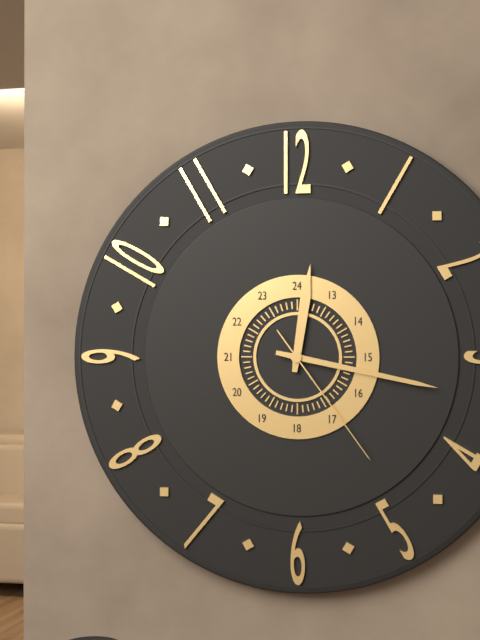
12:17:24
